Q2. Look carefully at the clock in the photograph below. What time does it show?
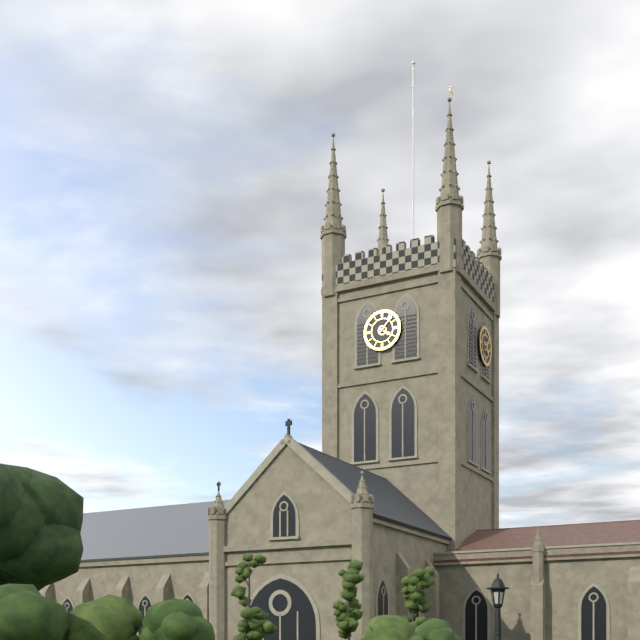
4:07
